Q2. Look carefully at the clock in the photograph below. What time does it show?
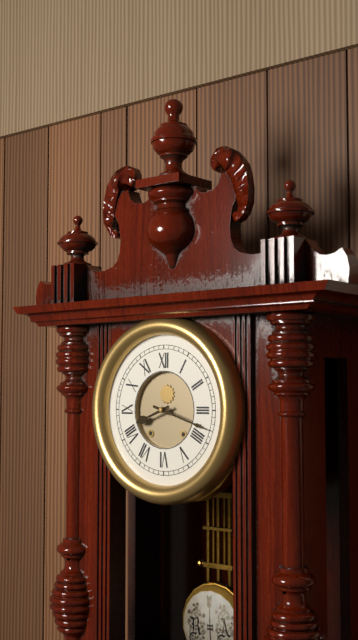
8:18
